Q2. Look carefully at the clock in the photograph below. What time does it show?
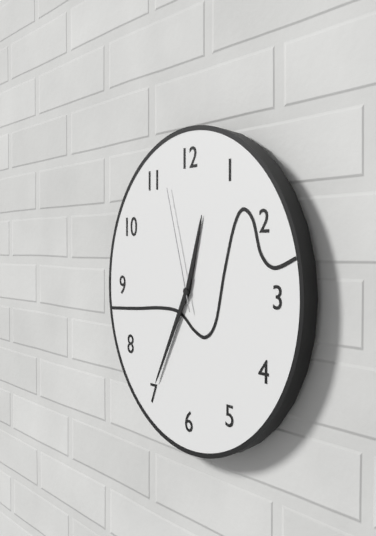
12:35:57
